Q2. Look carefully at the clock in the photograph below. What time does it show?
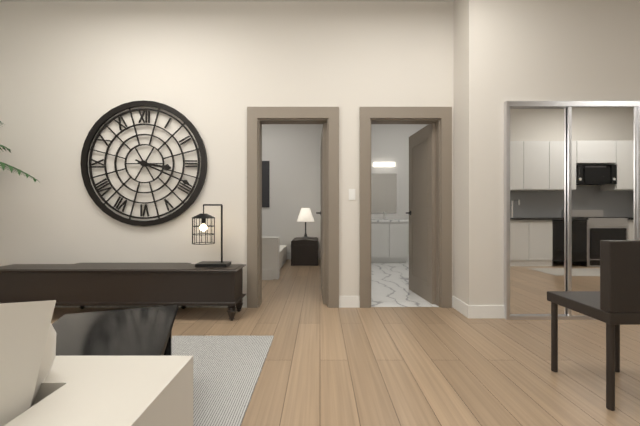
3:19
